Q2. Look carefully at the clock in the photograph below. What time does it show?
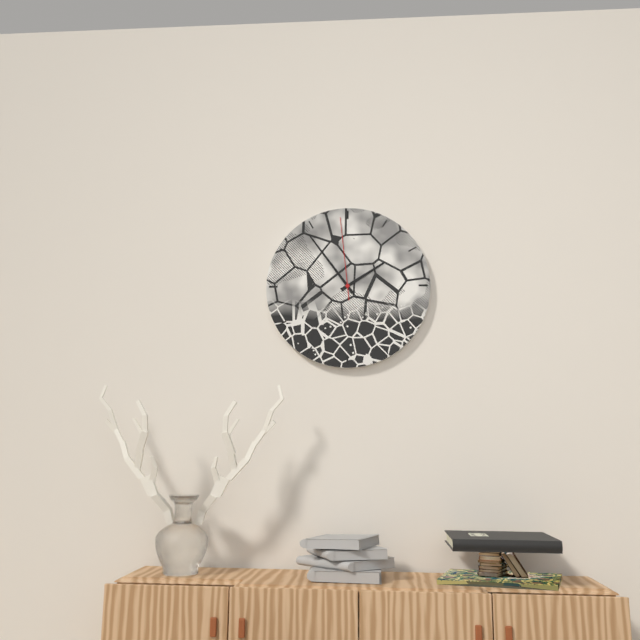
1:54:59
